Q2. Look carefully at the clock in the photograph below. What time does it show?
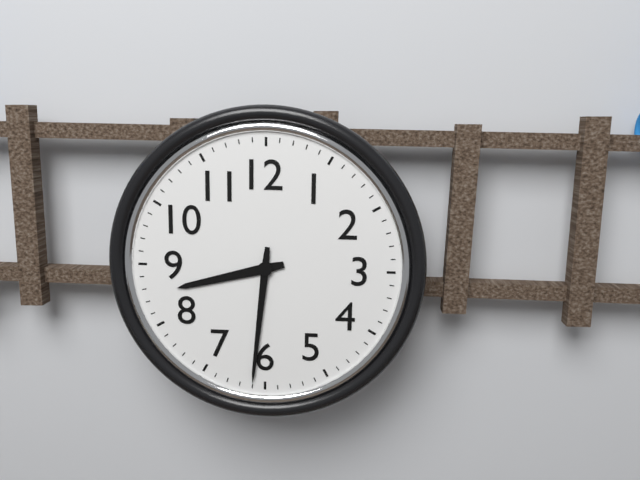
8:31
